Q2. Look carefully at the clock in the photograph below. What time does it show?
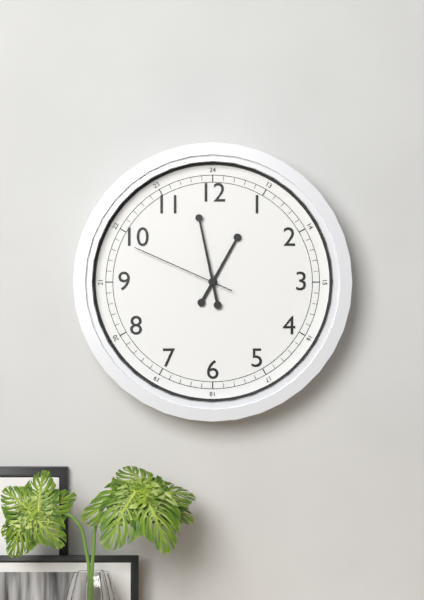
12:58:49
